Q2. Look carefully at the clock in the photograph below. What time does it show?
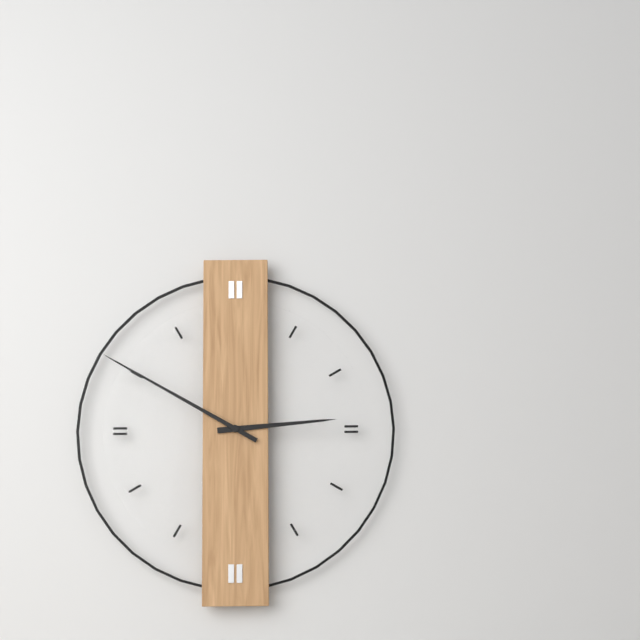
2:50
